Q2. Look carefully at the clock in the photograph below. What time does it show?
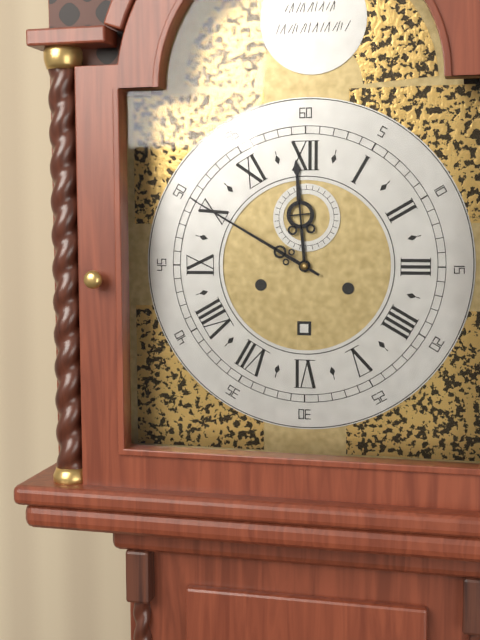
11:50
